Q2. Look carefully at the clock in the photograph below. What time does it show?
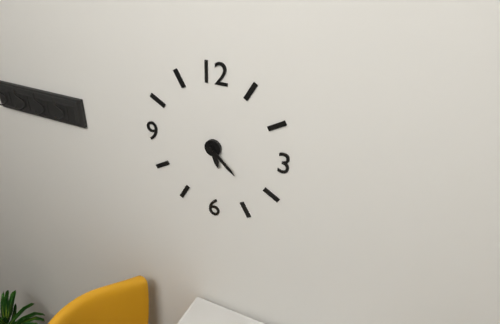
5:22
